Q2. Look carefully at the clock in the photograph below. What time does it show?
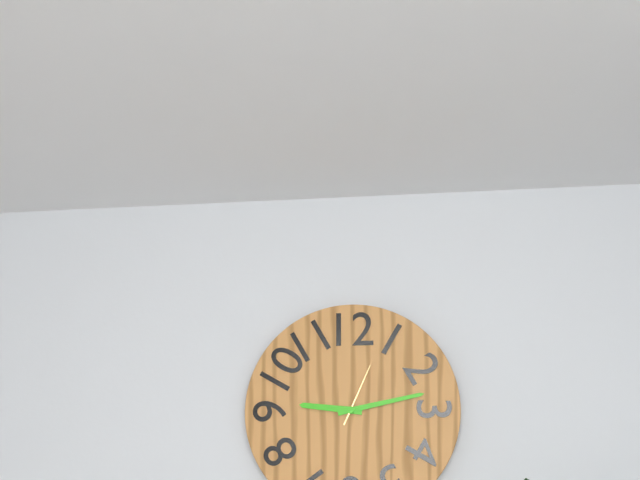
9:13:04
